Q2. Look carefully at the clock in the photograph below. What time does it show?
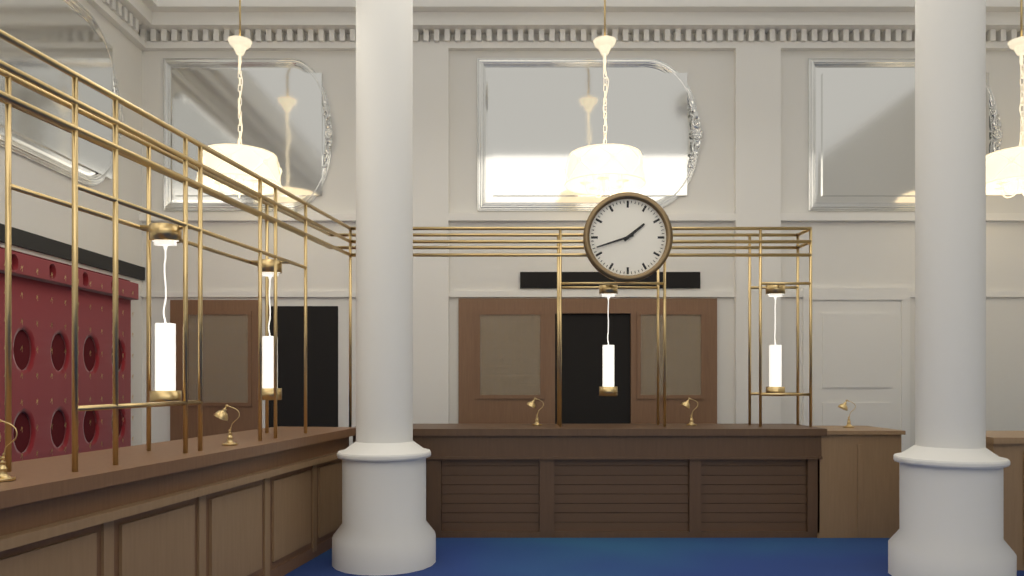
1:42
